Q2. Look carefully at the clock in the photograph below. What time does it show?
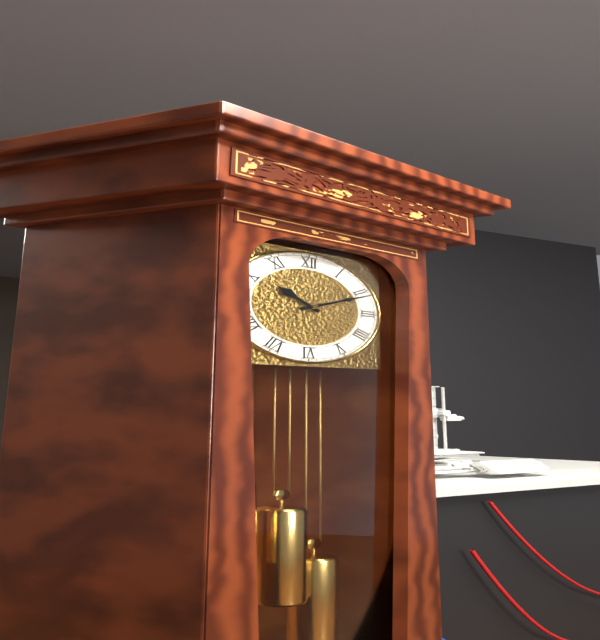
10:11
